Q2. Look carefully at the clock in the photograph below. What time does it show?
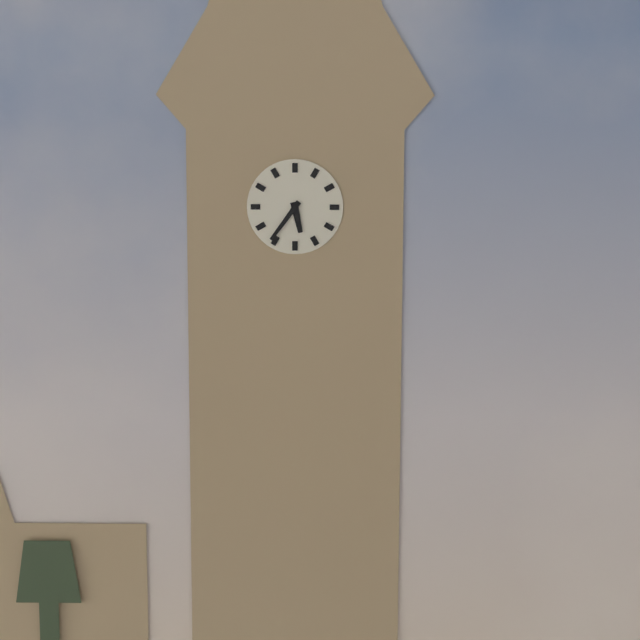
5:36
